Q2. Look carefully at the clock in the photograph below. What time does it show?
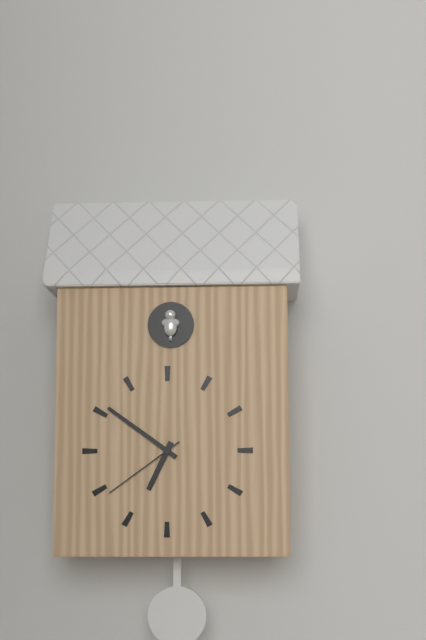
6:51:39
